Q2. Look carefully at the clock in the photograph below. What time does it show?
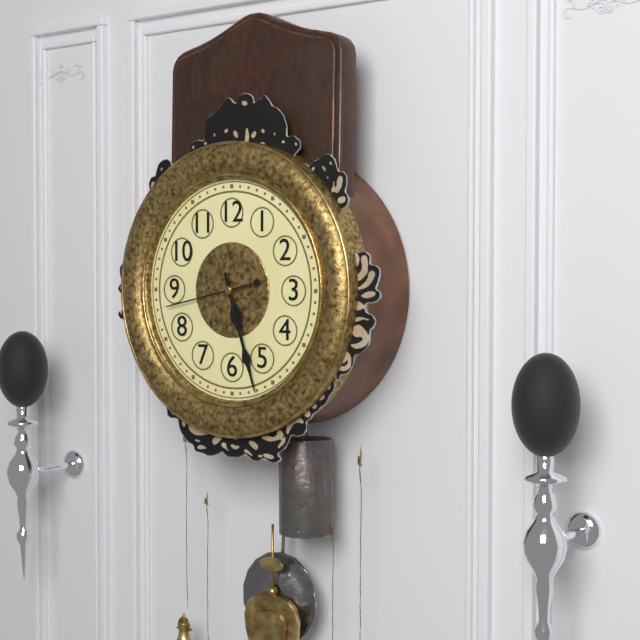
5:27:43
